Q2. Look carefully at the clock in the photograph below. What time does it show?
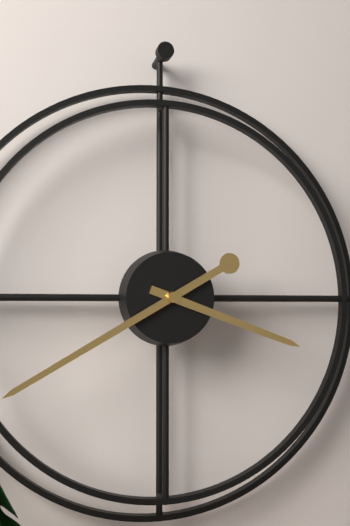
3:40
